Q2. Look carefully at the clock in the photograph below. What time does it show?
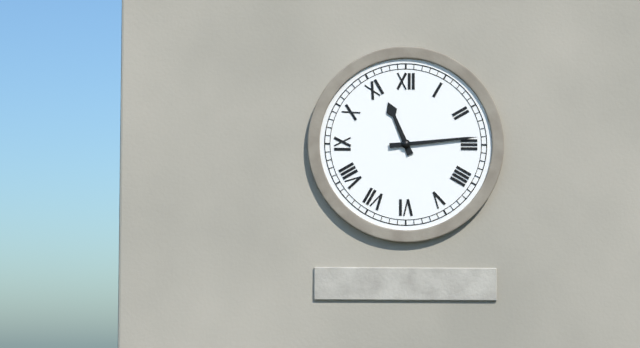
11:14
